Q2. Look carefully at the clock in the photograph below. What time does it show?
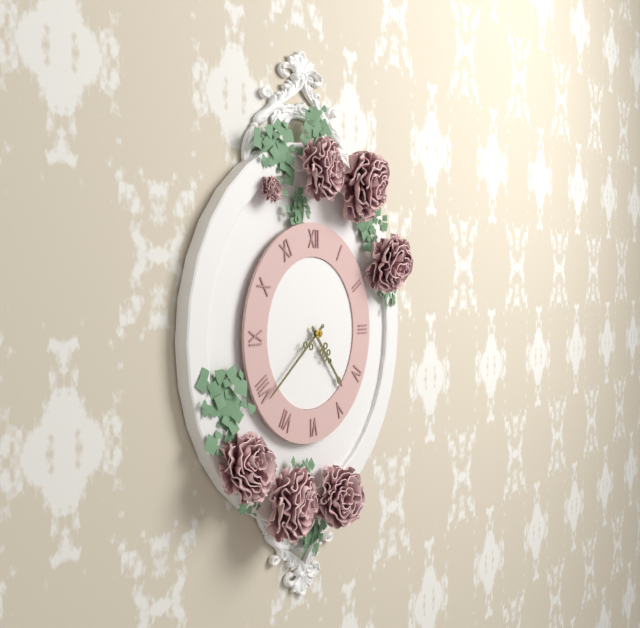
4:39
